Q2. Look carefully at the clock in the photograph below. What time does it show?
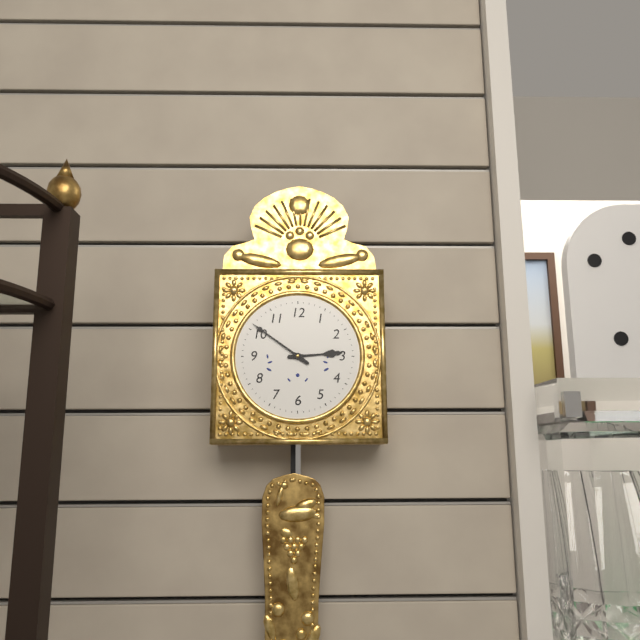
2:51
